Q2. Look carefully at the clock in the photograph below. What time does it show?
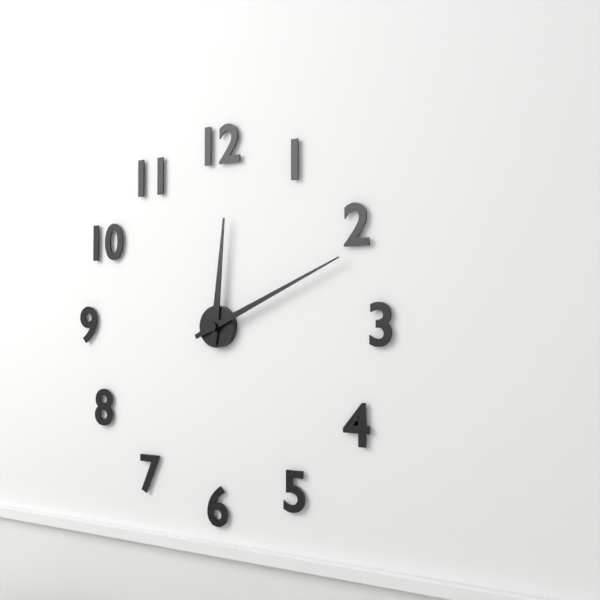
12:11
